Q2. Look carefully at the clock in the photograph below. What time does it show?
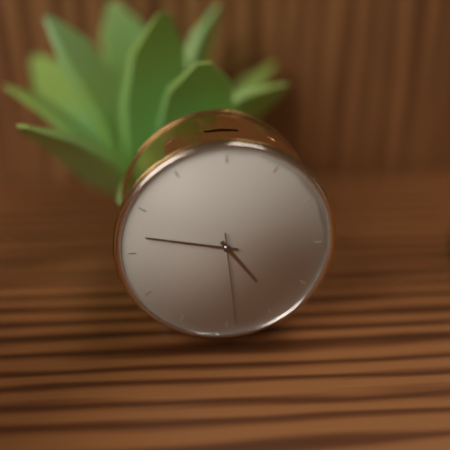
4:47:29
